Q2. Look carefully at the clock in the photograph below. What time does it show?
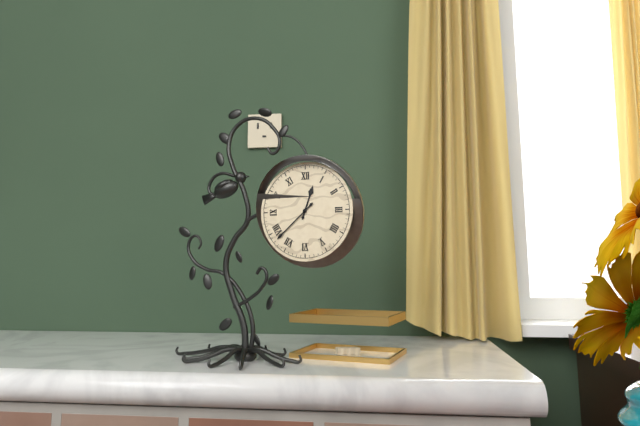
12:38
